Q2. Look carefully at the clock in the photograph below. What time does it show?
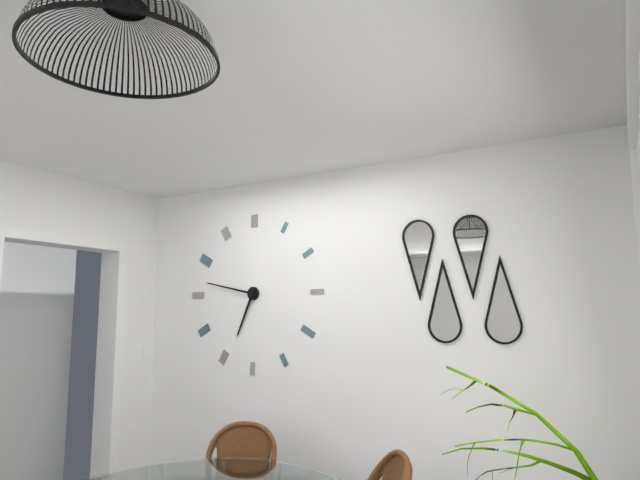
6:47
